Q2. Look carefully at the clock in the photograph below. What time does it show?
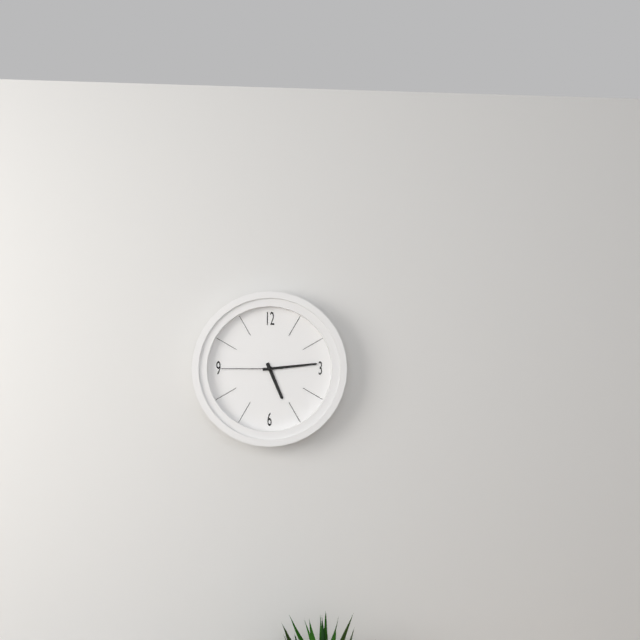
5:14:45
